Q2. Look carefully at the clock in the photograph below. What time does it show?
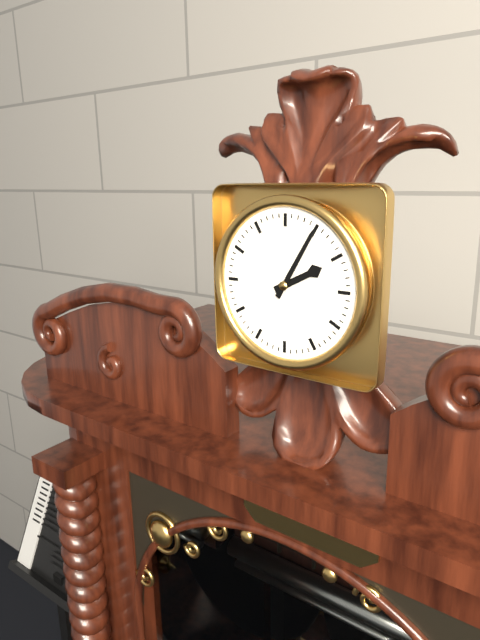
2:05
